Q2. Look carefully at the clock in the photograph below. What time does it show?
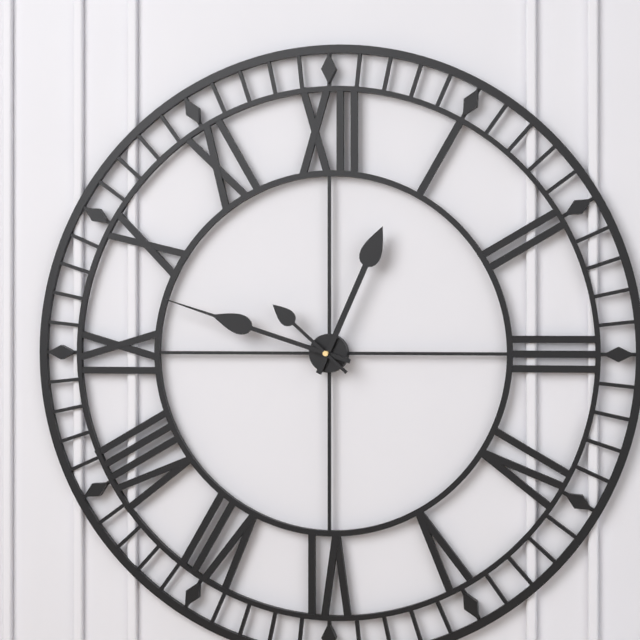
12:48:52
